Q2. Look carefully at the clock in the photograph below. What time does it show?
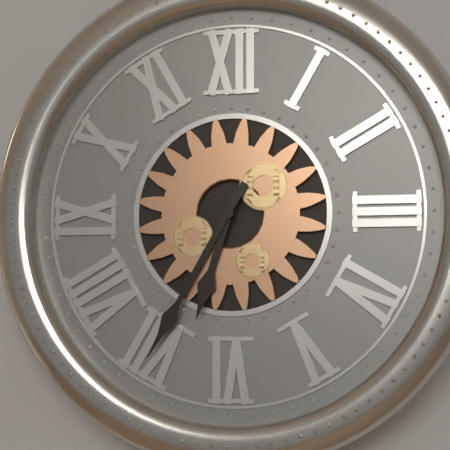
6:35
